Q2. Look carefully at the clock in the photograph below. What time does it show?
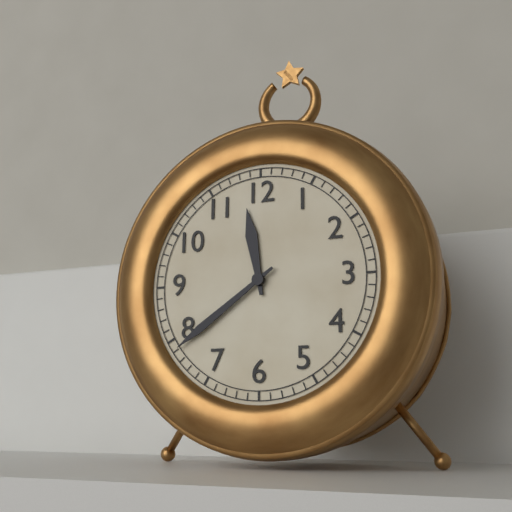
11:39
